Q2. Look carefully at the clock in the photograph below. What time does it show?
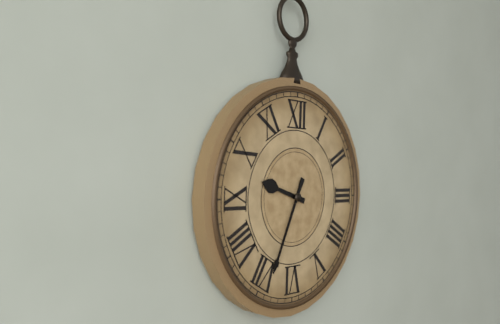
9:34
